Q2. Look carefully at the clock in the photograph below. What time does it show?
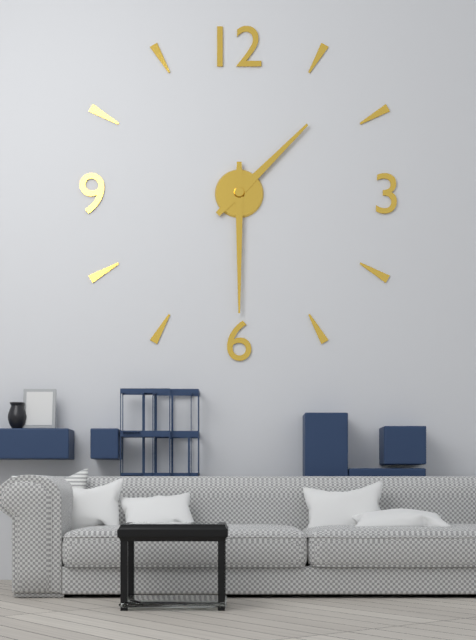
1:30
